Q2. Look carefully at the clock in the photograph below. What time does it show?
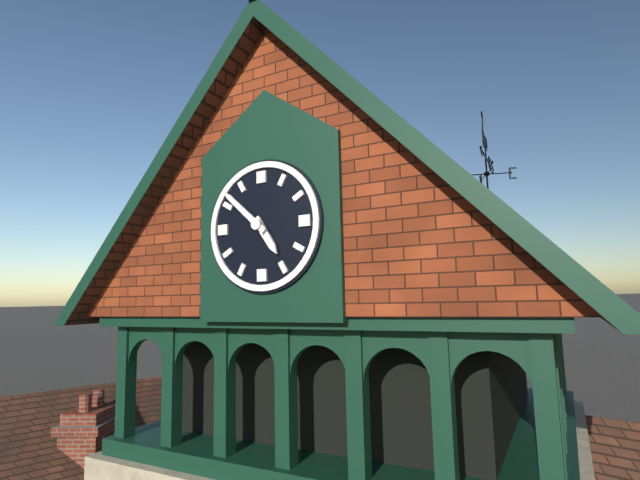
4:52
